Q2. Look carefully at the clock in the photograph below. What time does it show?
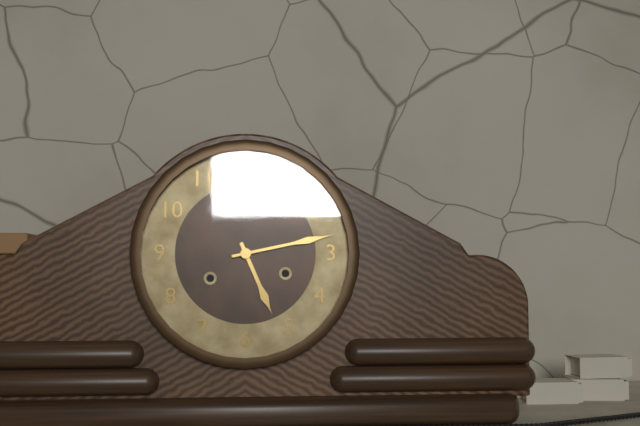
5:13
